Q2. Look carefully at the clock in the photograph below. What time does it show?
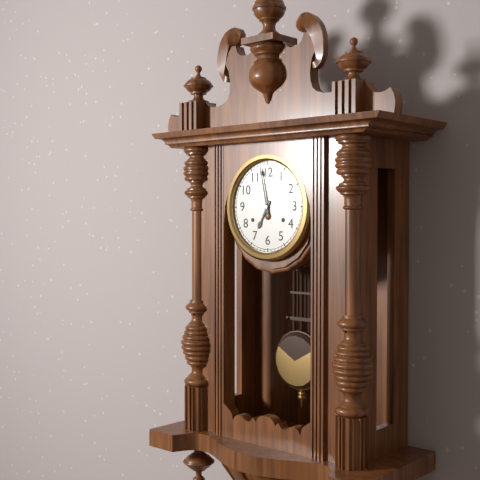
6:58
